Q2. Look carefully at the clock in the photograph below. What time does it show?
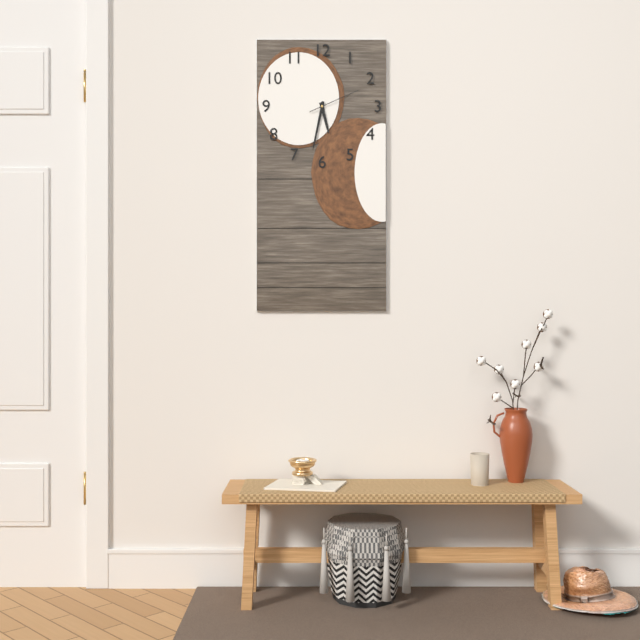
5:32:11
